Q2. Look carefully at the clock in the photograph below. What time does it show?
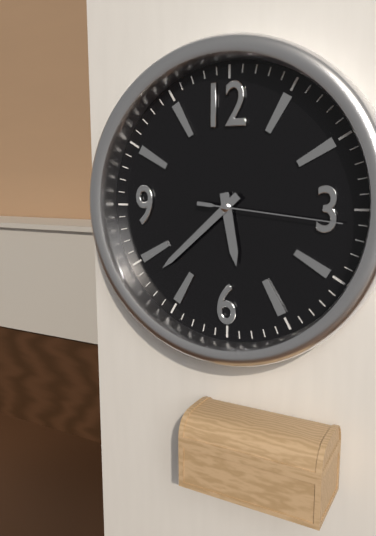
5:38:16
